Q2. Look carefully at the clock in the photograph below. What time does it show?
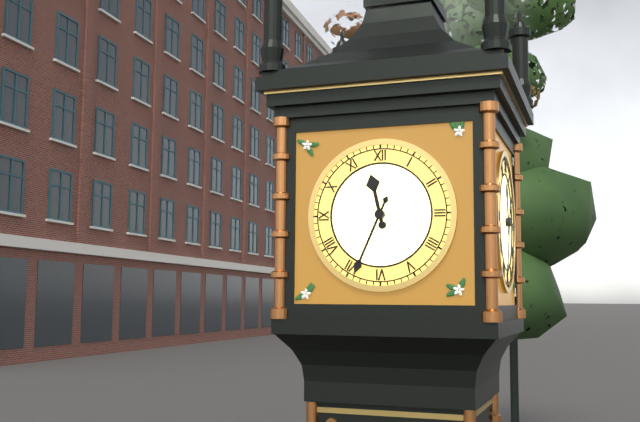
11:34
